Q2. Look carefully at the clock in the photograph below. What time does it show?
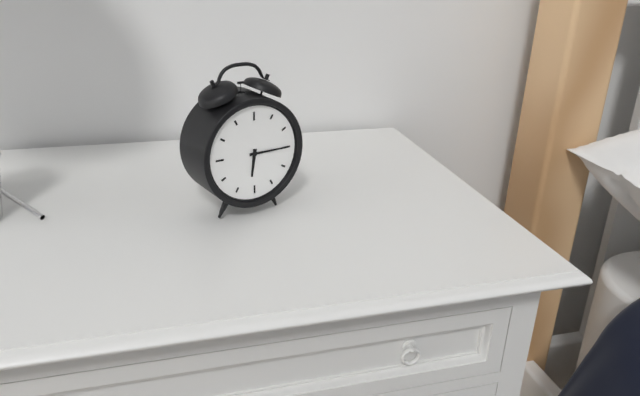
6:15
